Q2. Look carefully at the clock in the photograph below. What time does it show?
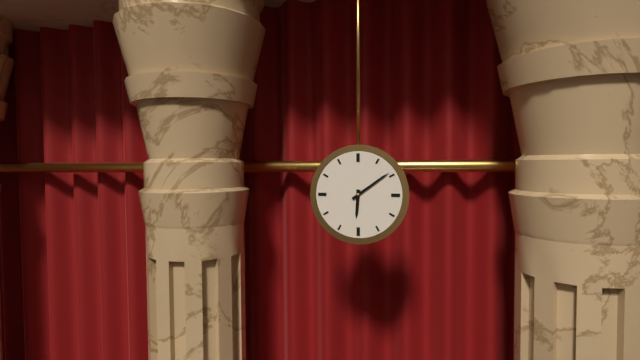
6:09
